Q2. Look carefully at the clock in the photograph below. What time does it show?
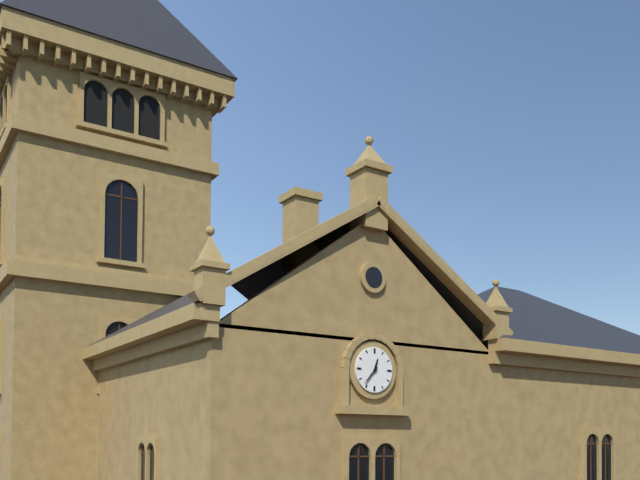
12:37
